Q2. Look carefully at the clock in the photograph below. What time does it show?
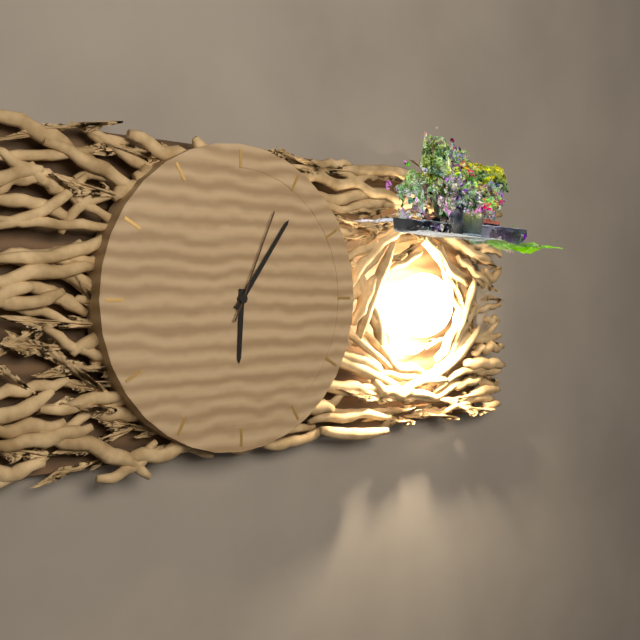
6:06:04
